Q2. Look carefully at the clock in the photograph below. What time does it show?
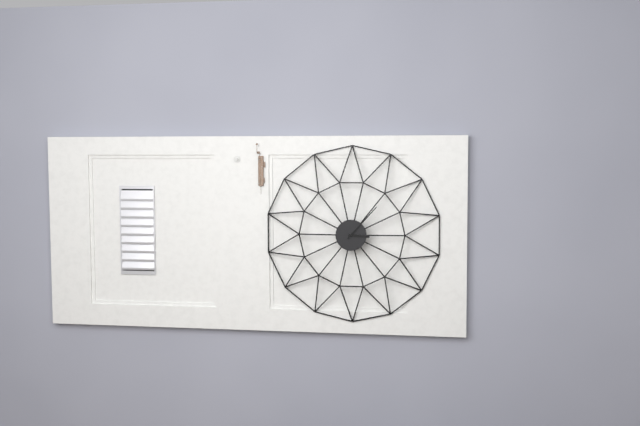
3:07
